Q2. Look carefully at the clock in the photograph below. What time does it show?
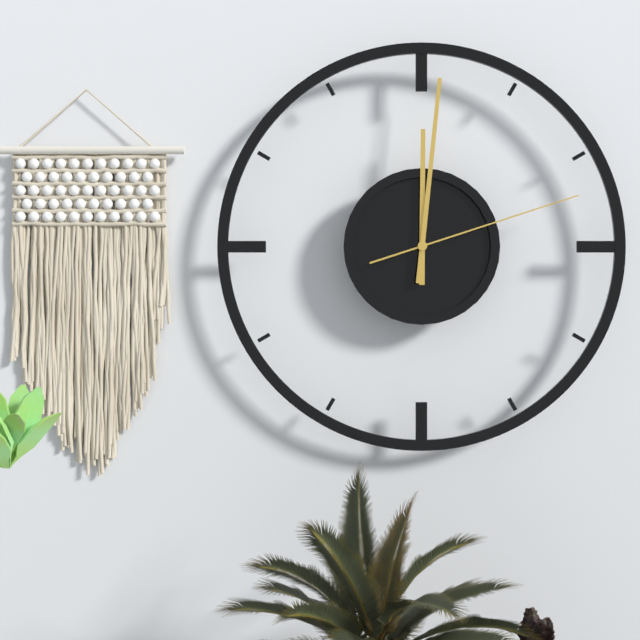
12:01:12
